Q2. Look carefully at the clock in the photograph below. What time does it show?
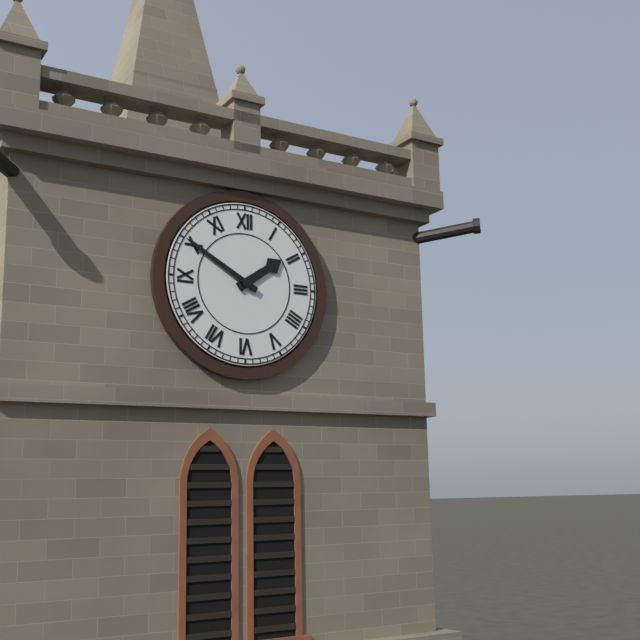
1:50
